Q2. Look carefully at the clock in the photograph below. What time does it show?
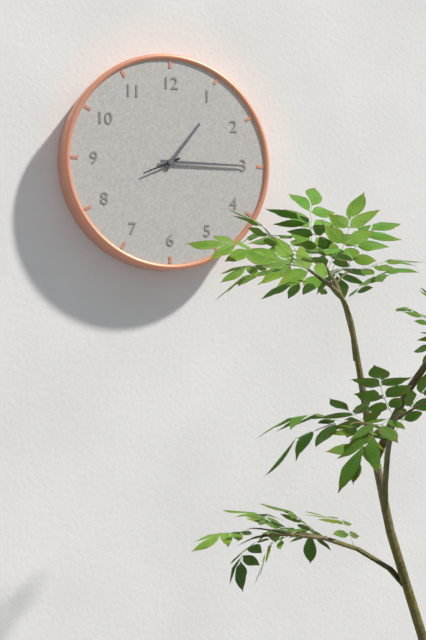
1:15
